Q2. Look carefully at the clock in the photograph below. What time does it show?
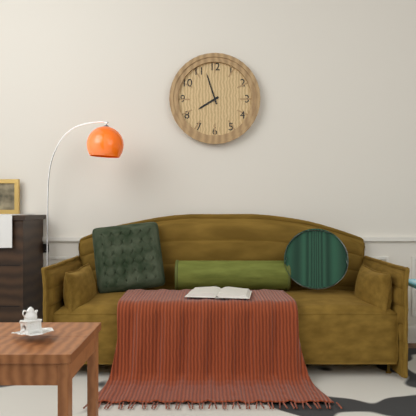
7:57
